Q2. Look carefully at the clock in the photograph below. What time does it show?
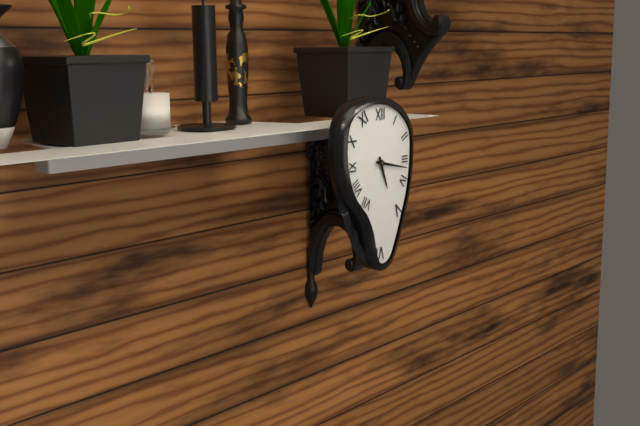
5:17
